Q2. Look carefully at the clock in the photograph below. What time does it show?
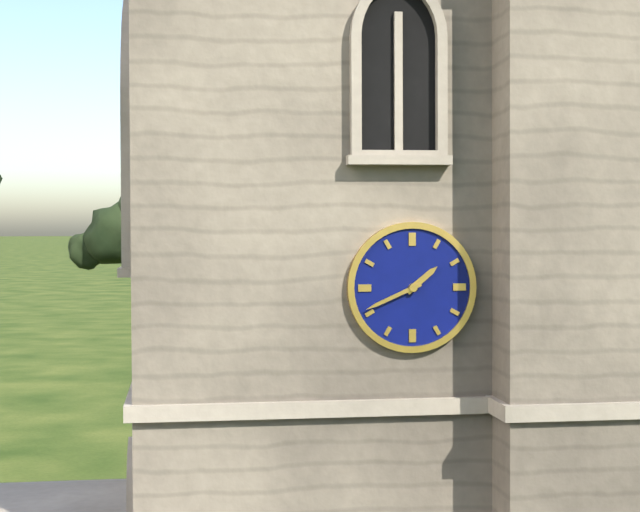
1:41
